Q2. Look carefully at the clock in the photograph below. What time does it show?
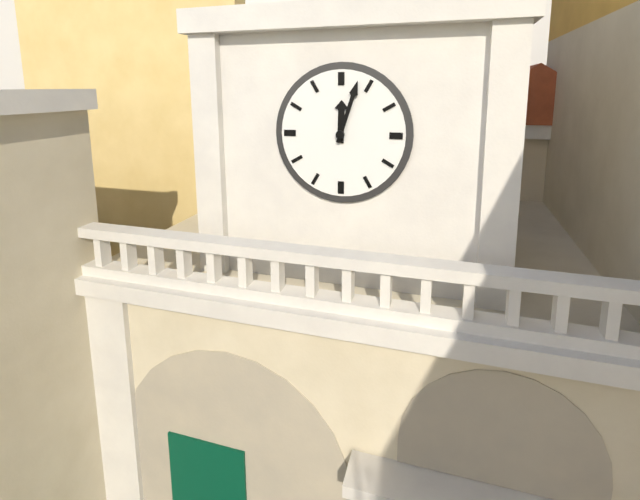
12:03
